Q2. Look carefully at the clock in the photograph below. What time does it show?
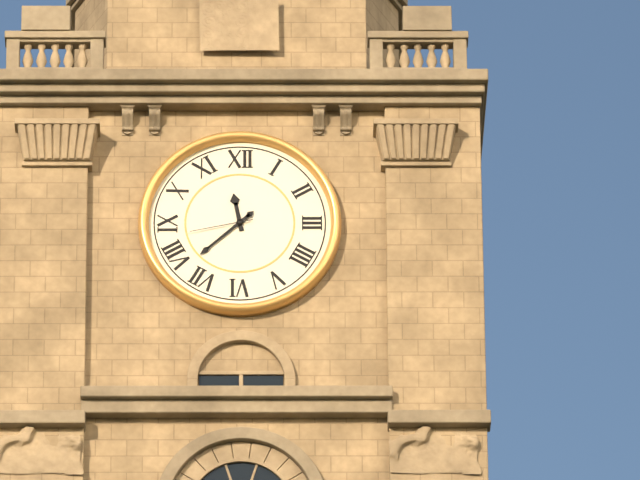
11:38:43
